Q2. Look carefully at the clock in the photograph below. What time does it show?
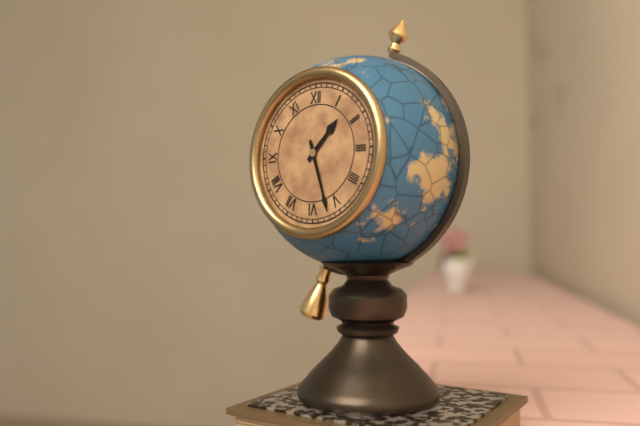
1:27
